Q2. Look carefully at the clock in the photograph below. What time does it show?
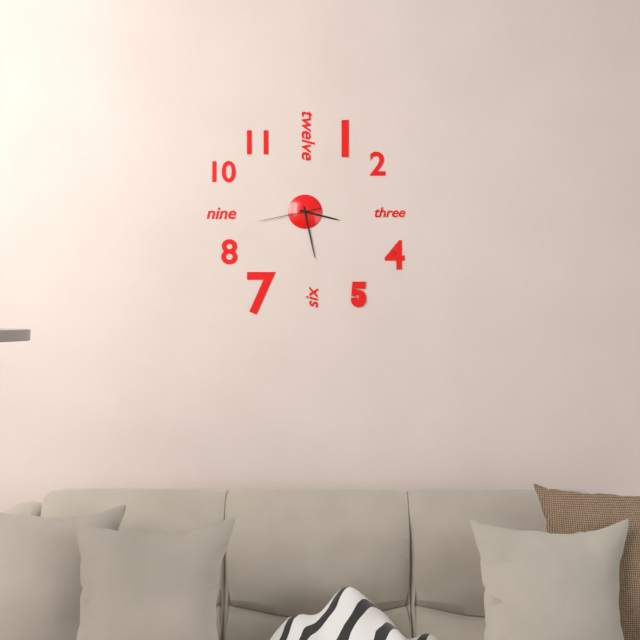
3:28:43
